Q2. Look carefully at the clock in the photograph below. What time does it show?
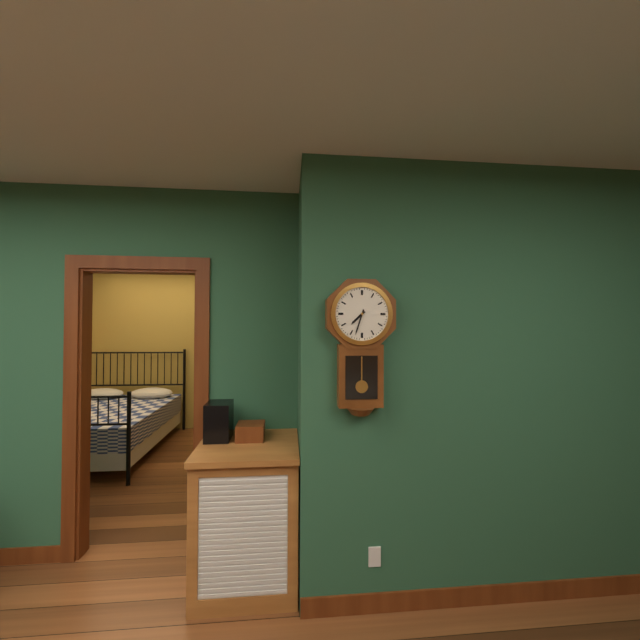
7:33
